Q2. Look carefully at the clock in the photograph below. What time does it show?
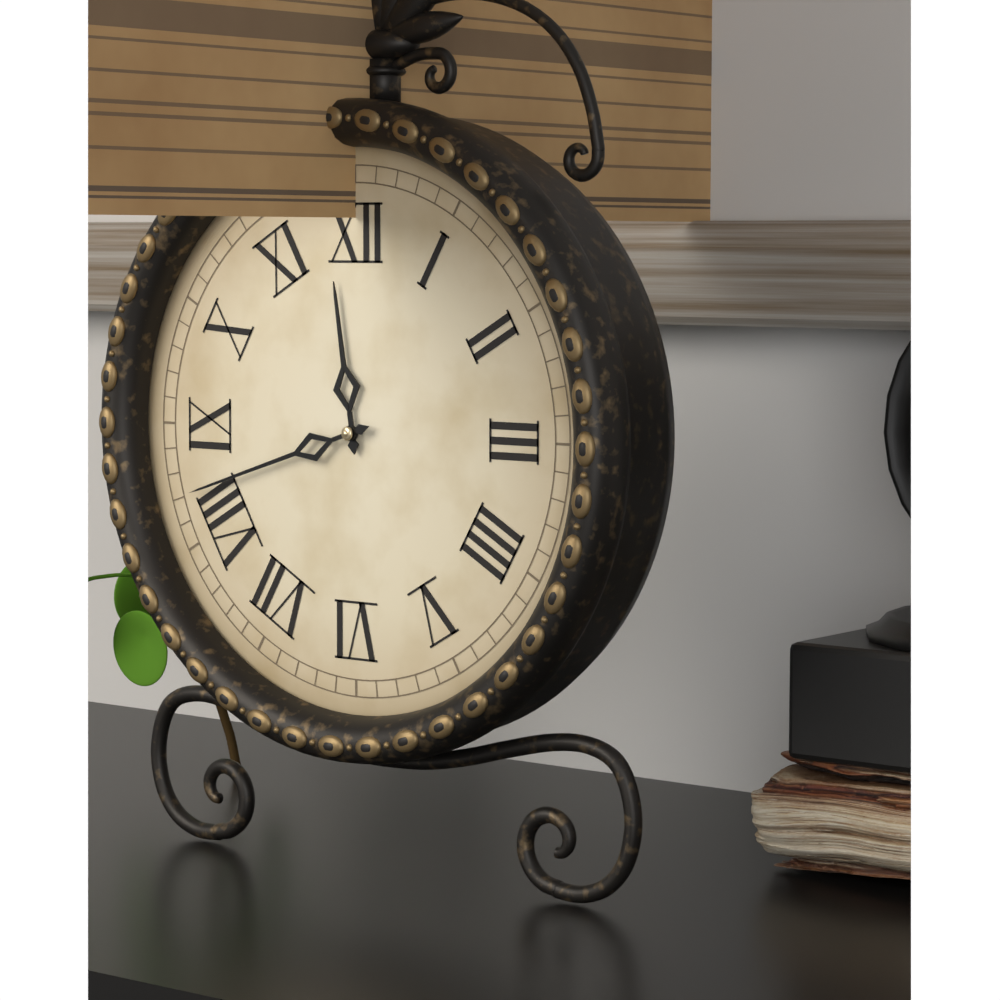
11:42
